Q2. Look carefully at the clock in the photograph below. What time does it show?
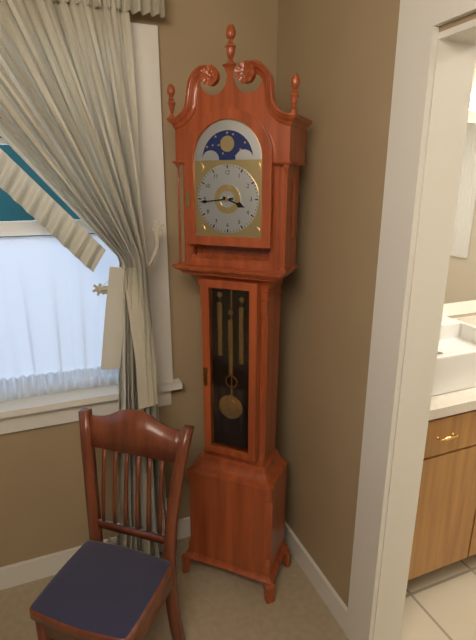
3:44
